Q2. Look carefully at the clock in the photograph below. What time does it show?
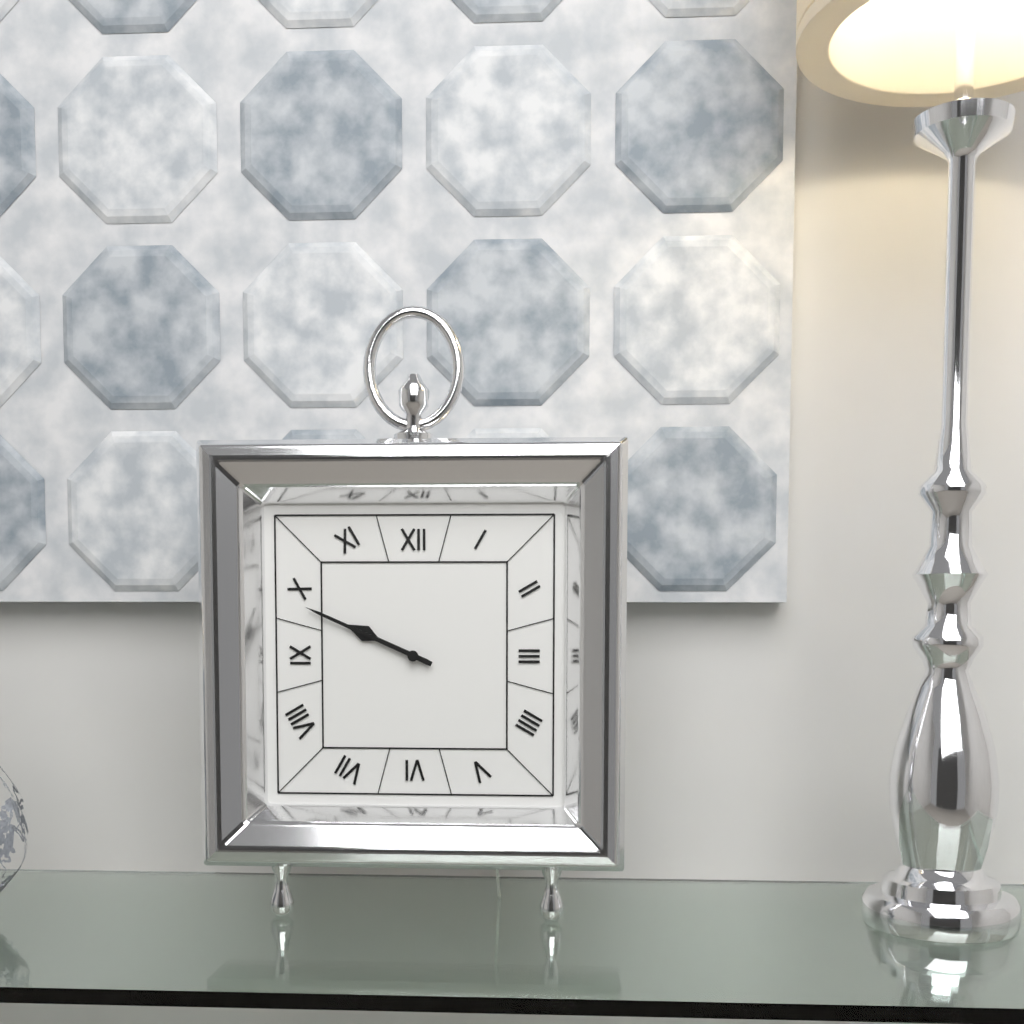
9:49
